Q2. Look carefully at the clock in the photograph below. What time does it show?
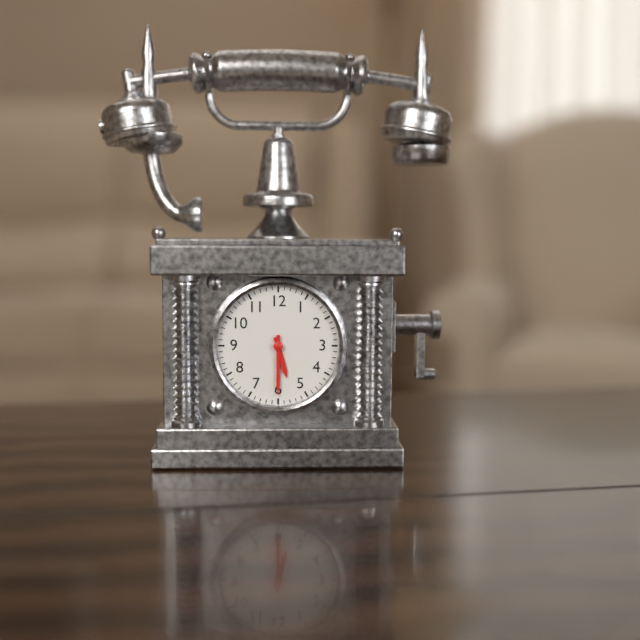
5:30
